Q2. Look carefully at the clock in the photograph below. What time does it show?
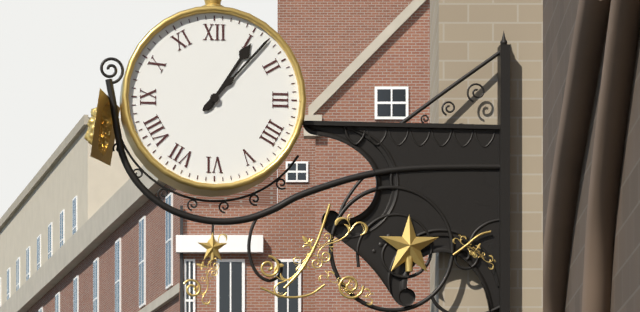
1:07
